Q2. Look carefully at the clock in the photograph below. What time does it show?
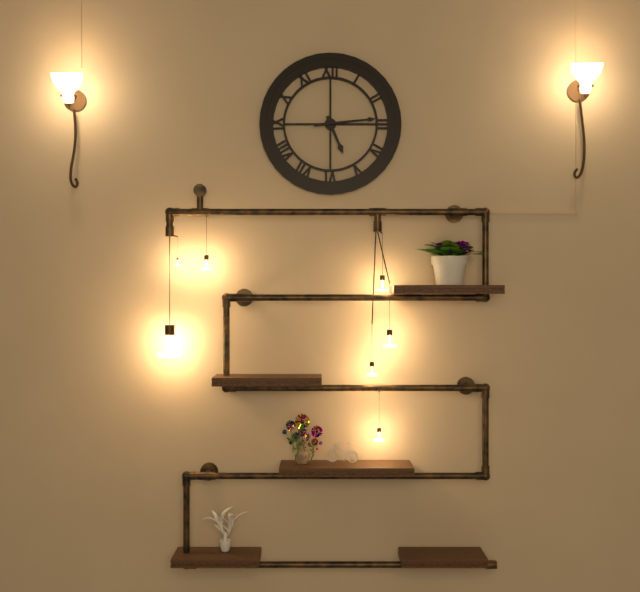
5:14
